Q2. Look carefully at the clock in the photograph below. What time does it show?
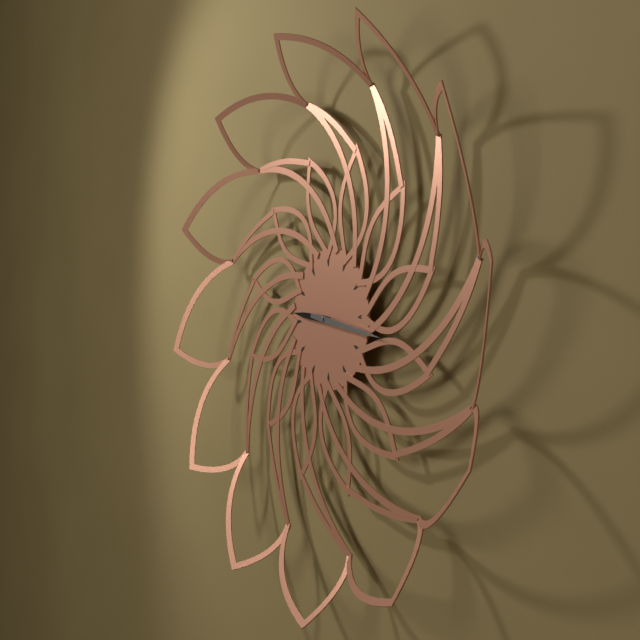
9:17
